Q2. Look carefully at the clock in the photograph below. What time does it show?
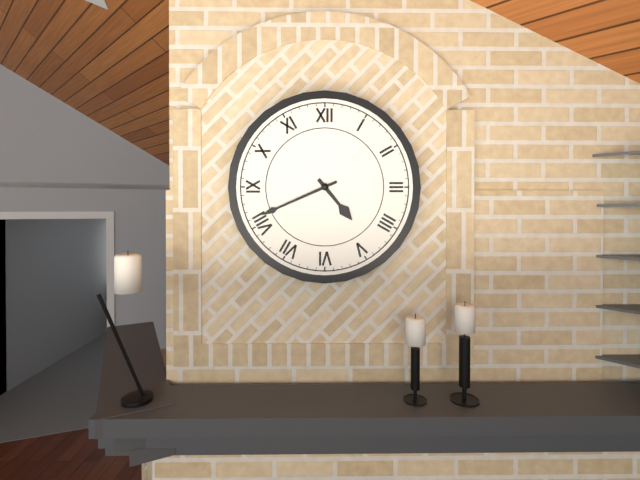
4:41
